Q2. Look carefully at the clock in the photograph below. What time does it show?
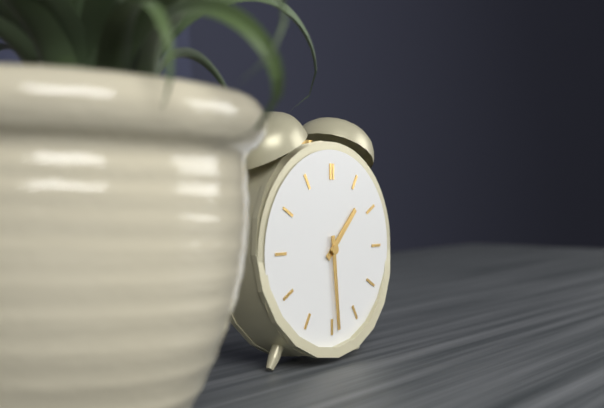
1:29
